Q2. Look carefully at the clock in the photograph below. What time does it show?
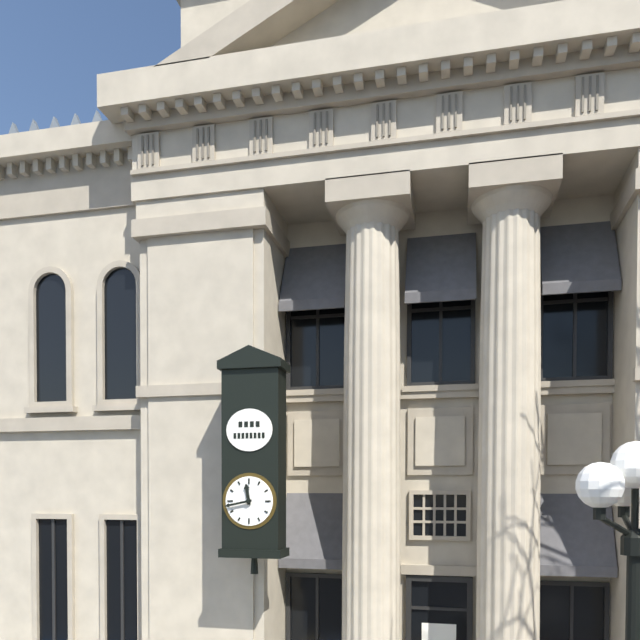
11:43
